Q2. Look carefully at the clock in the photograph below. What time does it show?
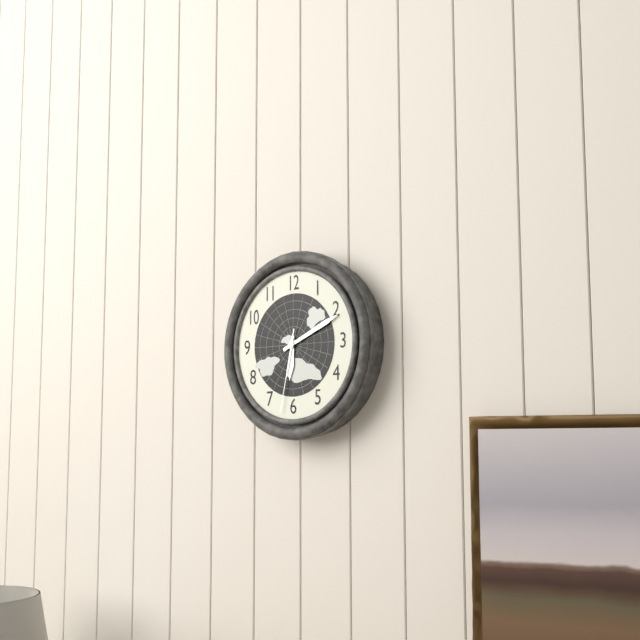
6:11:32
